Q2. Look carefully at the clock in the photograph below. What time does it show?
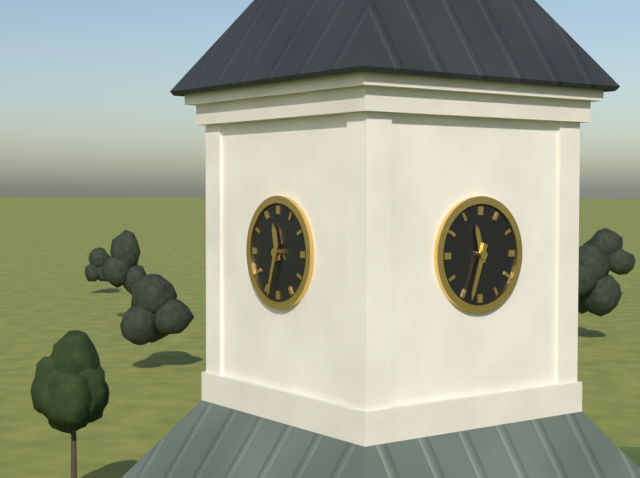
11:33
